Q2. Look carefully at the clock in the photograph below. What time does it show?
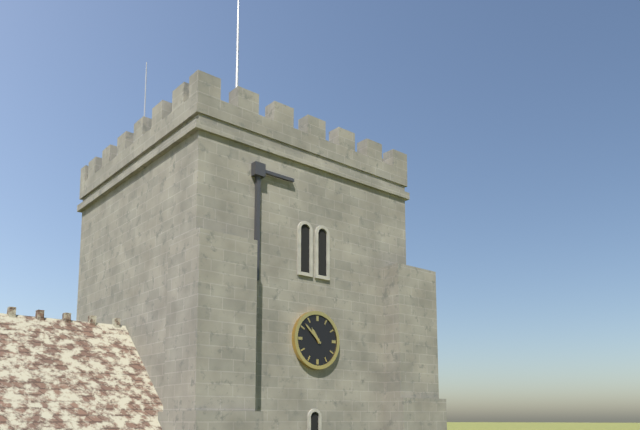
10:52
